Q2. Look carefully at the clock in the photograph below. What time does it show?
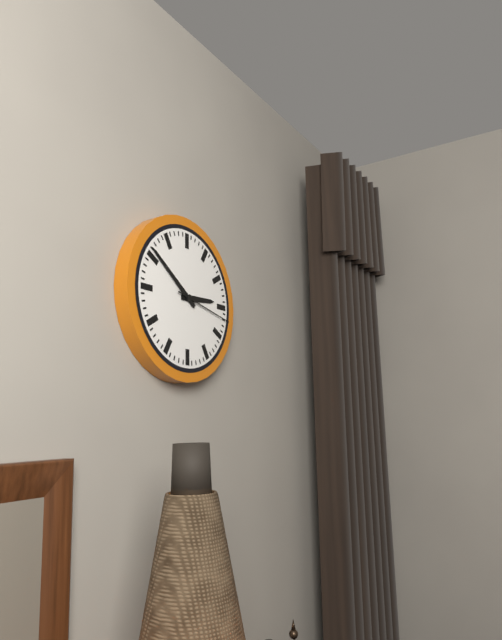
2:51:17
